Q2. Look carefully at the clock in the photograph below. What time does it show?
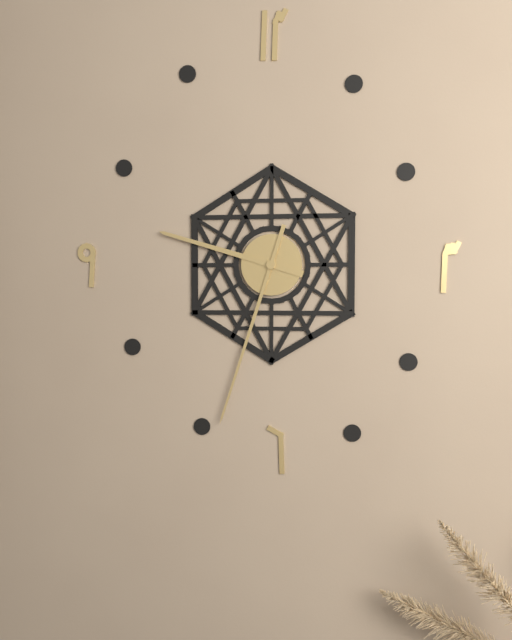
9:33
